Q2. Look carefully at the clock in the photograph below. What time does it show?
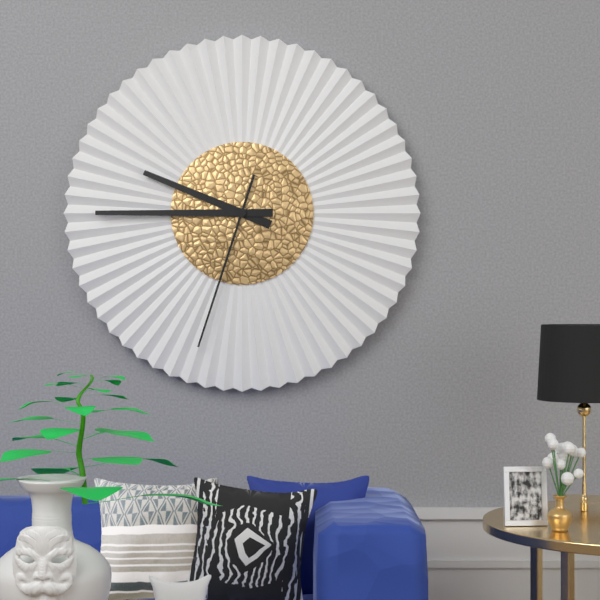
9:45:33
